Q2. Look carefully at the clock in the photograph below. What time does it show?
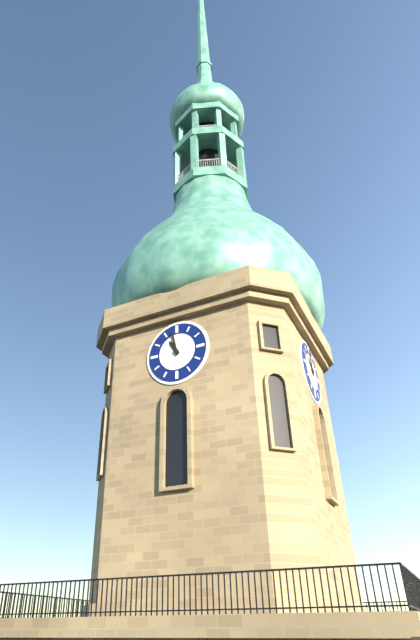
10:58
